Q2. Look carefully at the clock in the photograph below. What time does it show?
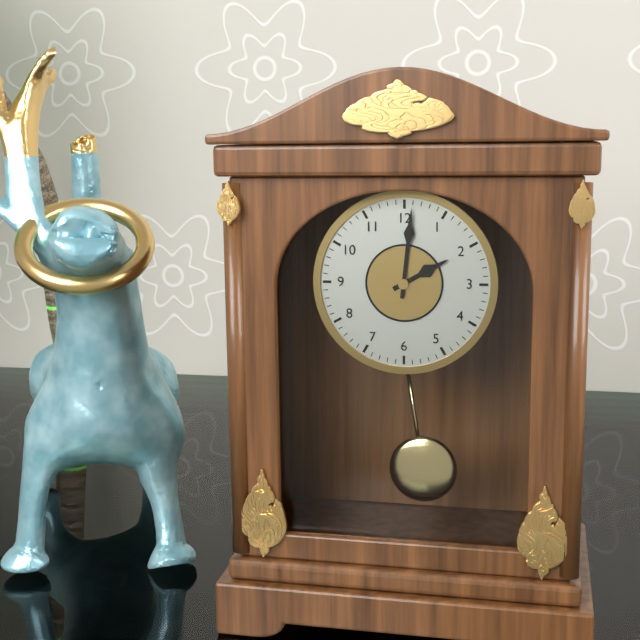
2:01
